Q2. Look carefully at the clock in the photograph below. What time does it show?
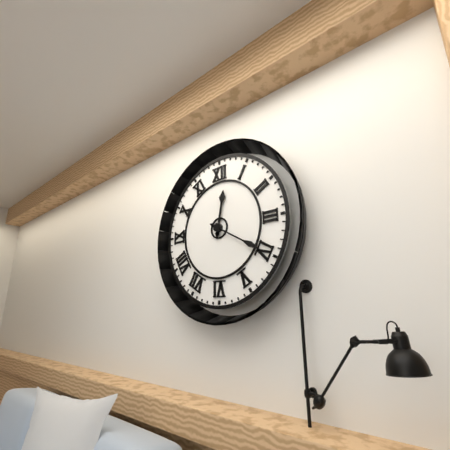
12:20
